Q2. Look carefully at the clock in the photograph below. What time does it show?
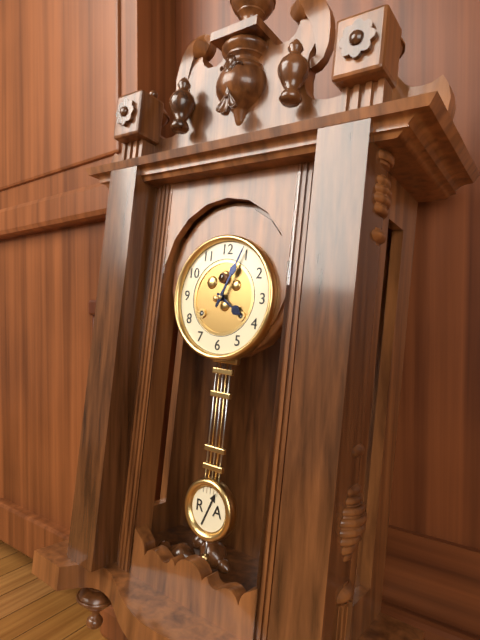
4:04
